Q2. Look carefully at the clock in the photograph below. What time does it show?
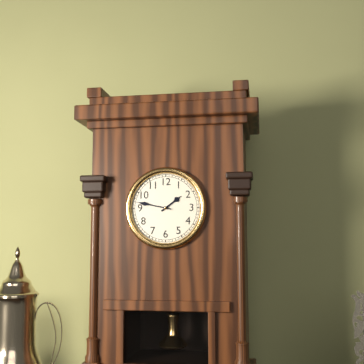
1:47
